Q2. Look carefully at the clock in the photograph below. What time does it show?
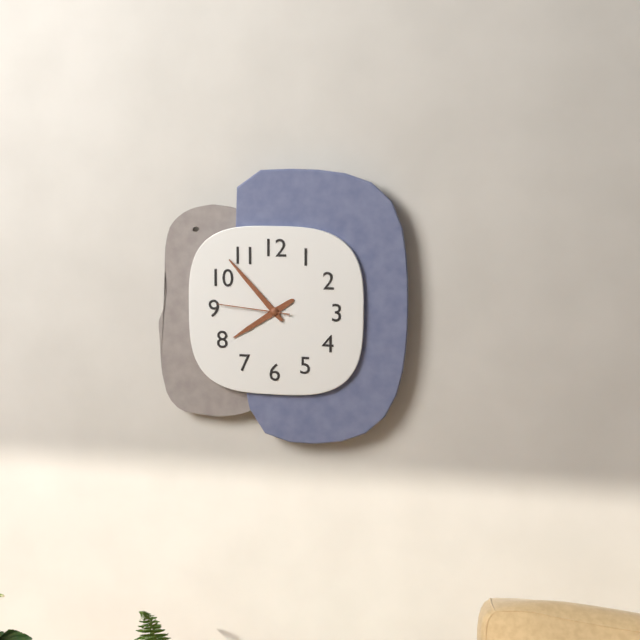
7:53:46
